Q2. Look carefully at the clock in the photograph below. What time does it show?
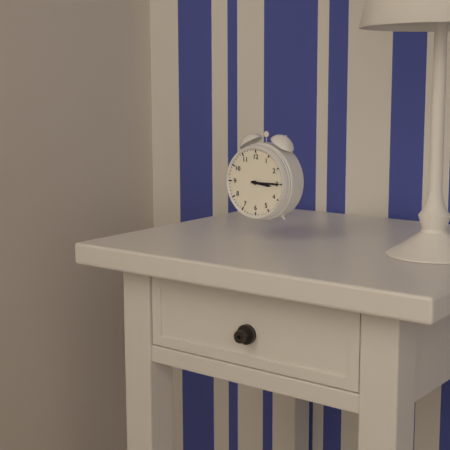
3:15
